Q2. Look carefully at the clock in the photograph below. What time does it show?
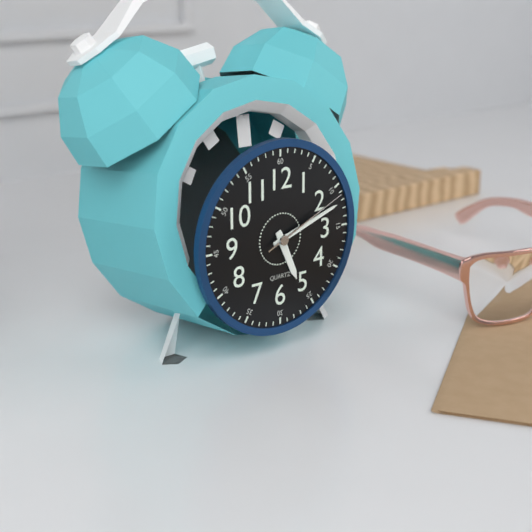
5:12:11
